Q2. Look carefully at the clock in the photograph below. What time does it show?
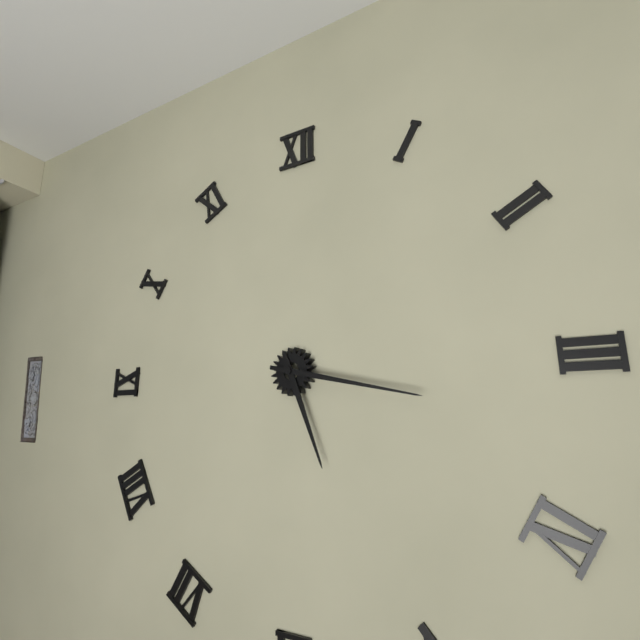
5:17
